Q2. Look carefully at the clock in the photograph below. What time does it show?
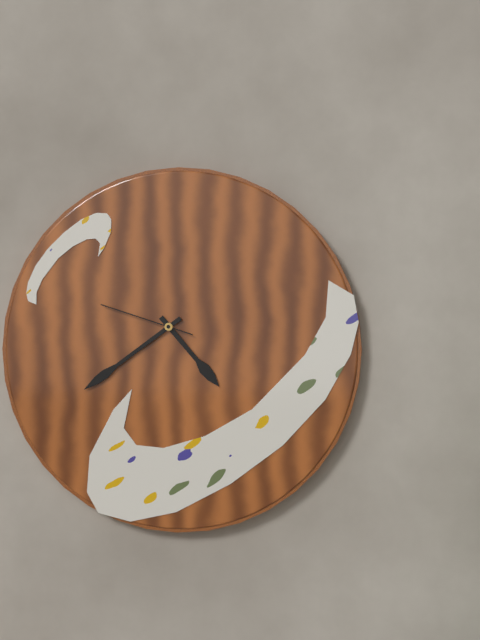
4:39:48
